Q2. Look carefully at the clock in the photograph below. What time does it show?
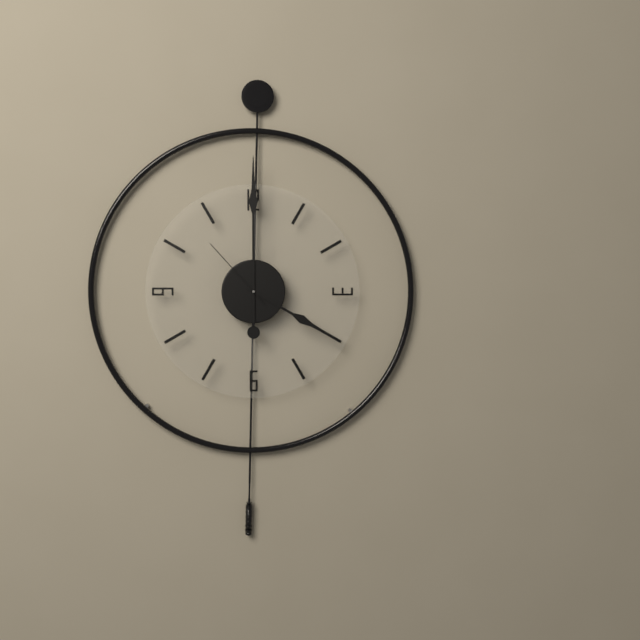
4:00:53
